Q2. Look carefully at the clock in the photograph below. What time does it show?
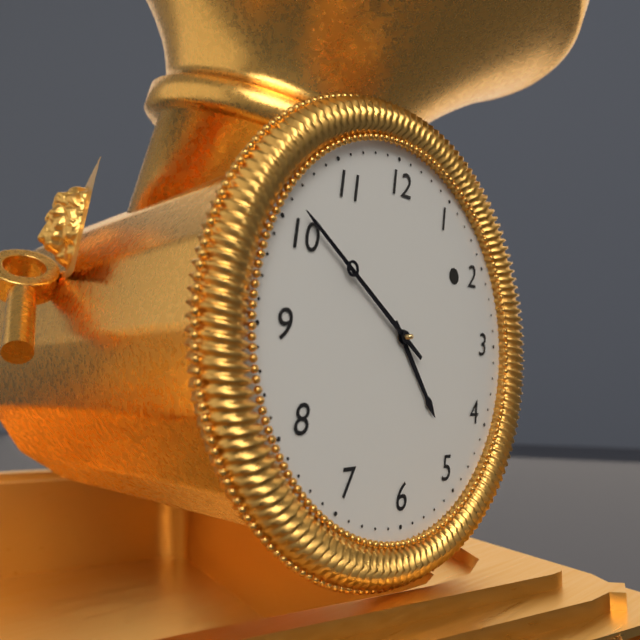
4:51
